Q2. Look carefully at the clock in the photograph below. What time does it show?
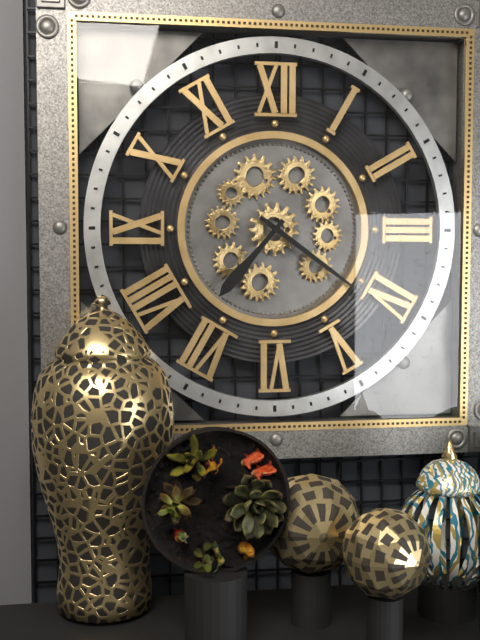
7:21
